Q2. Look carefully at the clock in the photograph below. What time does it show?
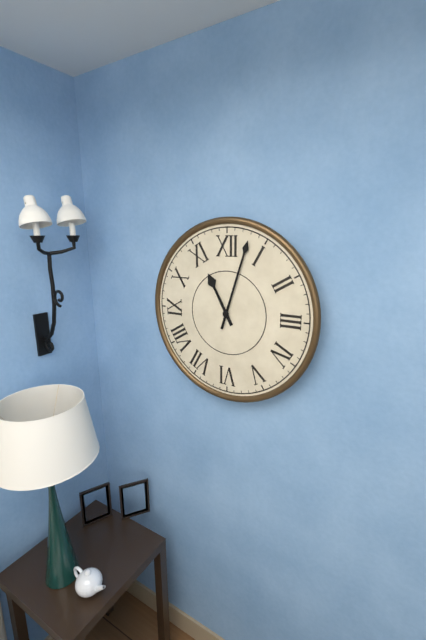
11:03
